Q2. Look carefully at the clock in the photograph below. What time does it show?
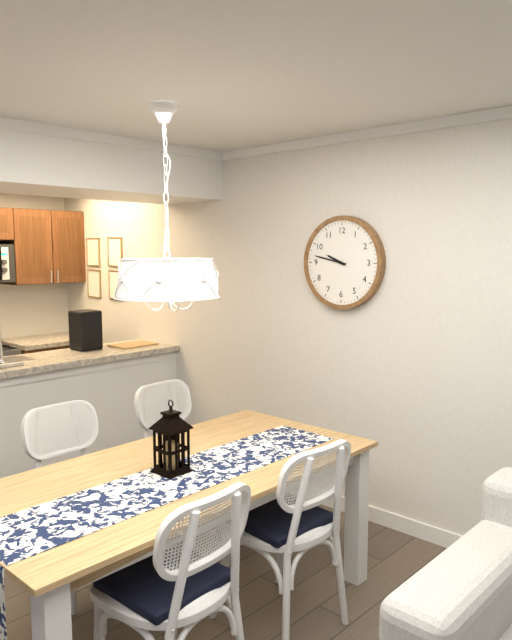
9:47
